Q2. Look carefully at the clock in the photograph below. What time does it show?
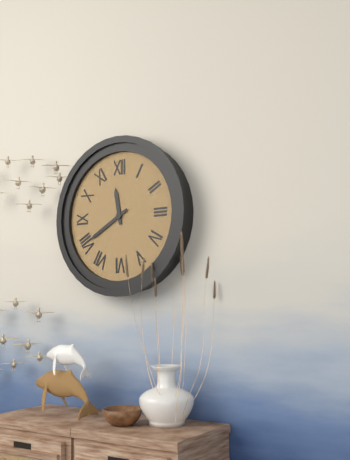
11:40
